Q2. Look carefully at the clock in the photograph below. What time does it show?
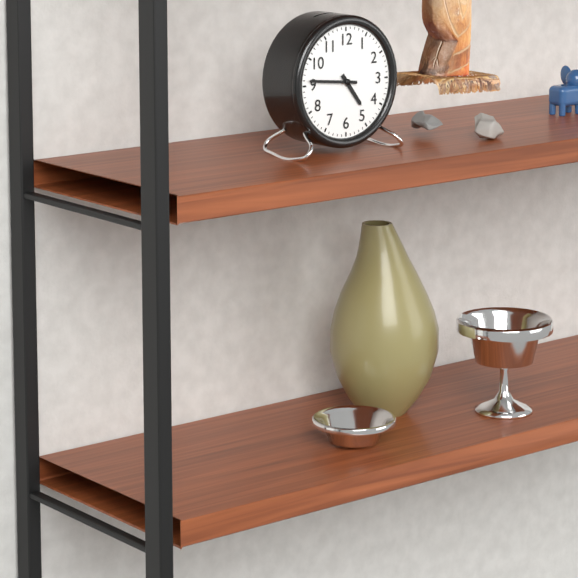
4:46
